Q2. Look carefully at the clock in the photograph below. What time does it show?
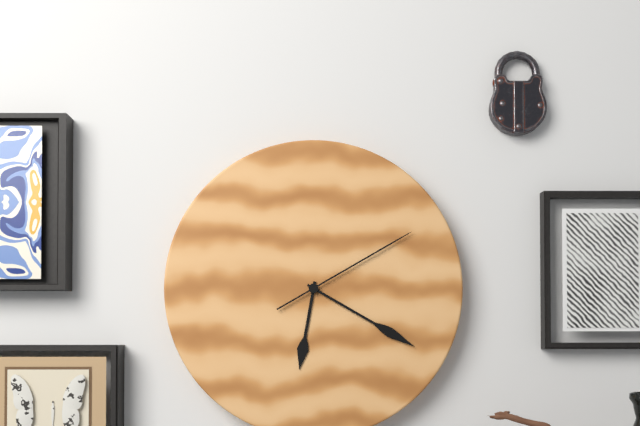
6:20:10
